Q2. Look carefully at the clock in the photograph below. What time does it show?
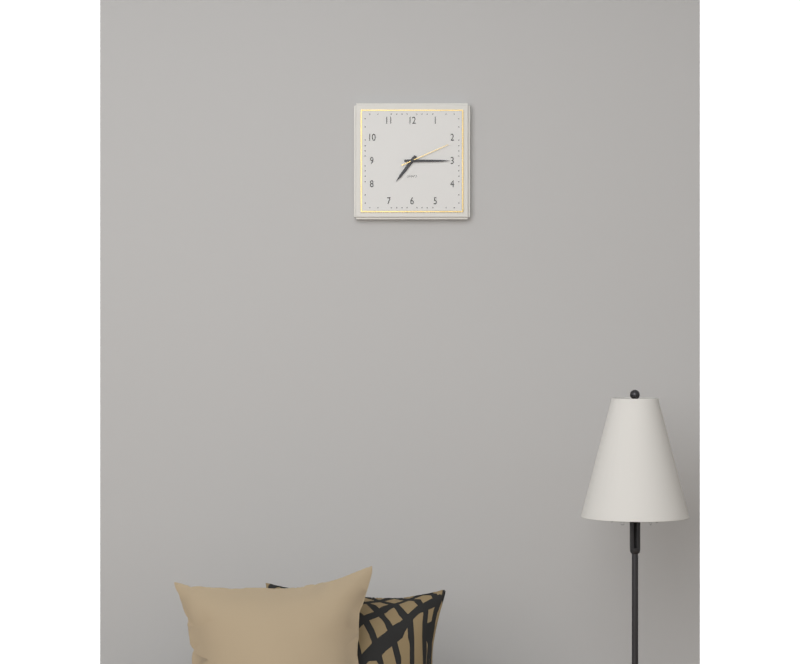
7:15
